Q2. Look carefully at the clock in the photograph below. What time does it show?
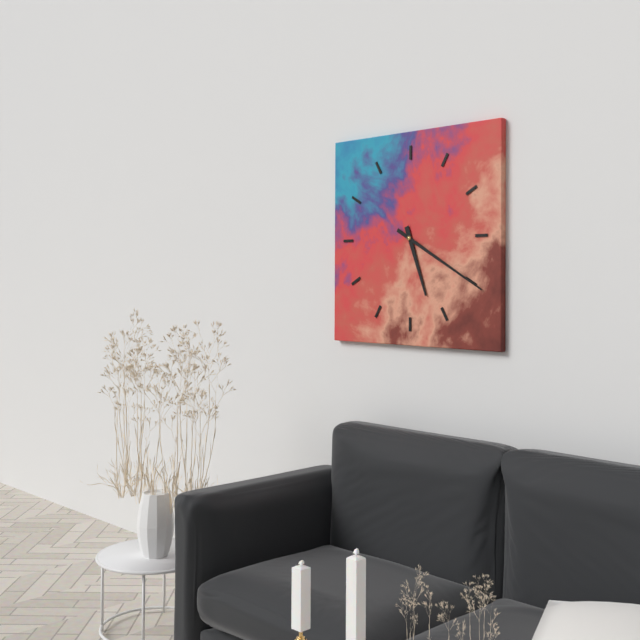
5:20
